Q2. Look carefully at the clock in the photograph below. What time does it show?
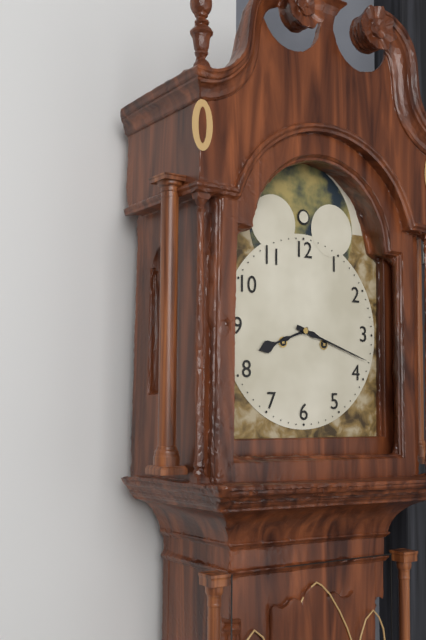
8:18
